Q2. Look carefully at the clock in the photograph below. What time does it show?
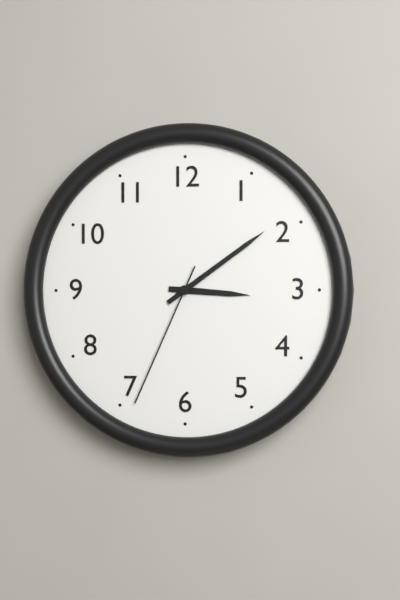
3:09:34
